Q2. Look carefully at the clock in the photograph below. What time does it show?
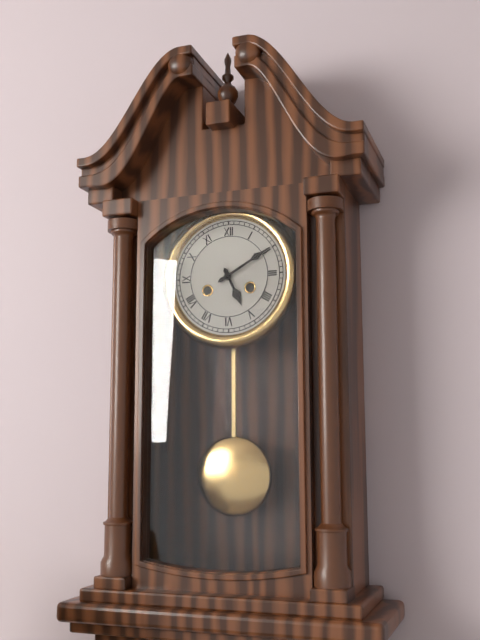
5:10
